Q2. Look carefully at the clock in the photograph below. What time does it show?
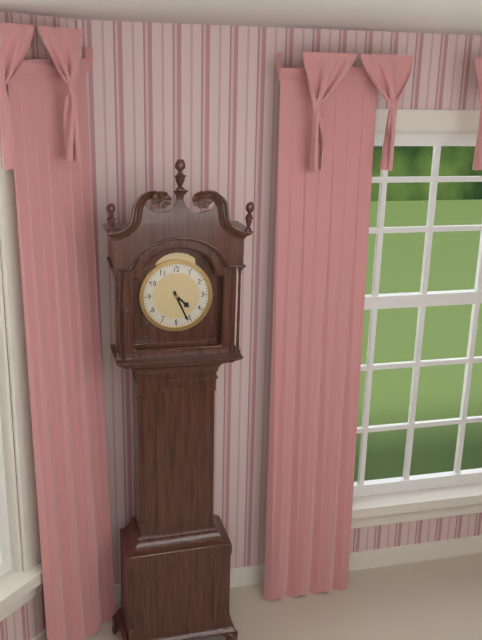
4:26
